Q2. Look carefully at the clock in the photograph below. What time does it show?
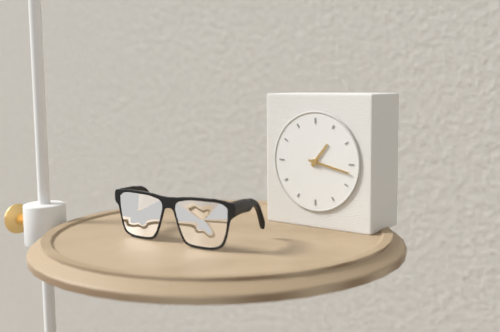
1:17
